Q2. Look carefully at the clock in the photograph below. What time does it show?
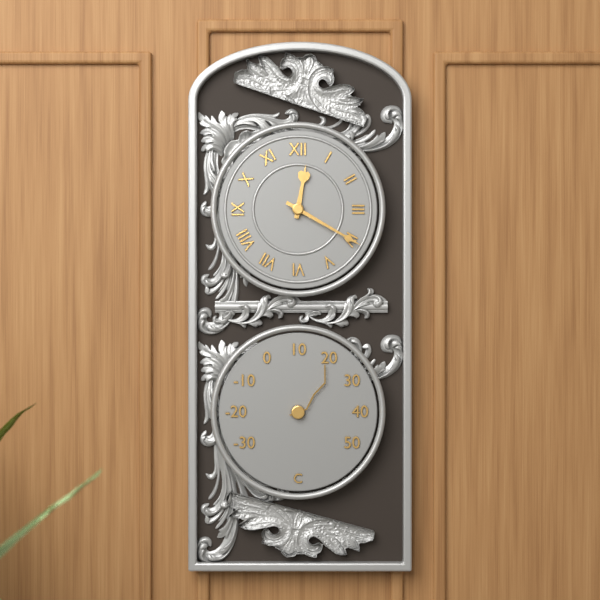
12:20
